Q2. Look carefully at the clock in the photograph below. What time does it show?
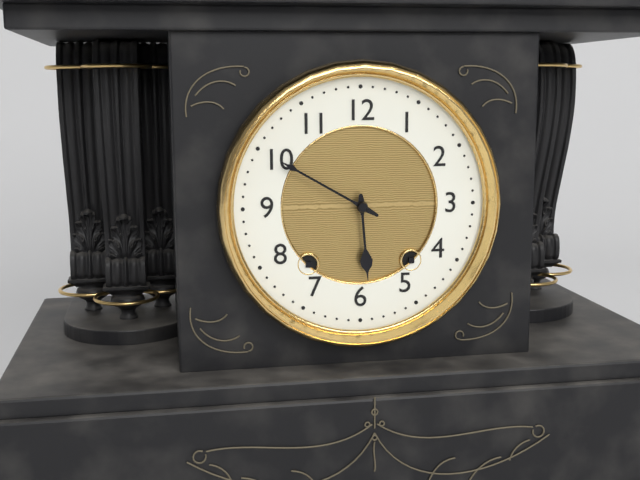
5:50
